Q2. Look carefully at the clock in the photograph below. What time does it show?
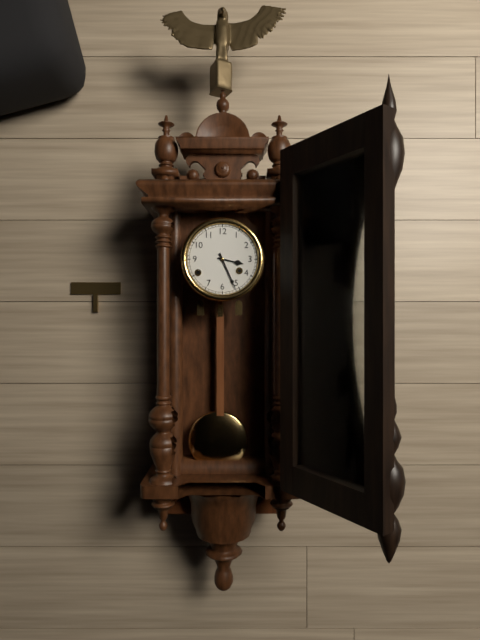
3:26
